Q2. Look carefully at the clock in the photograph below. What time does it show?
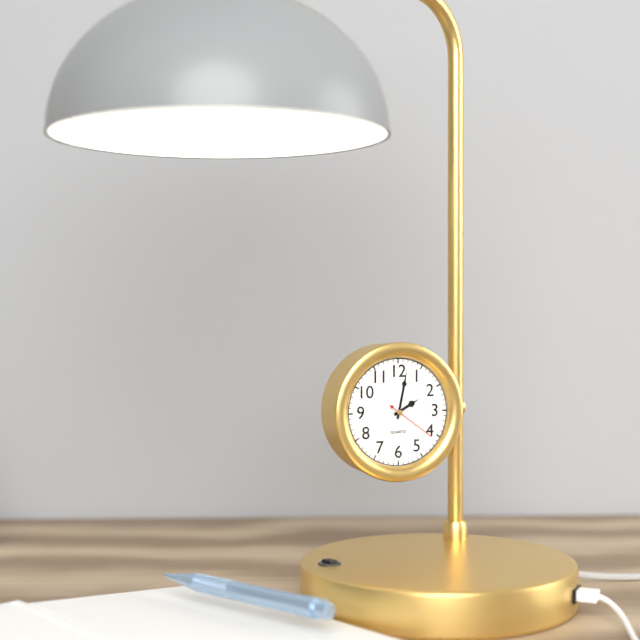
2:02:21
